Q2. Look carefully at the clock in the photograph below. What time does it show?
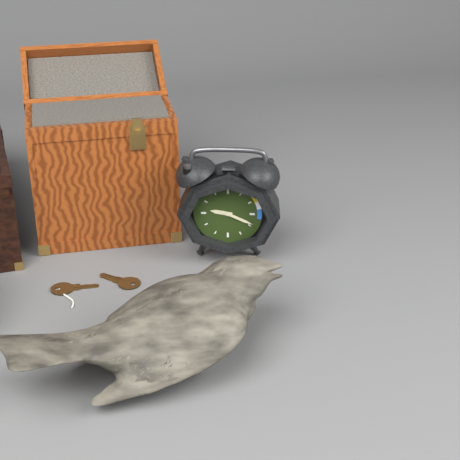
9:19
